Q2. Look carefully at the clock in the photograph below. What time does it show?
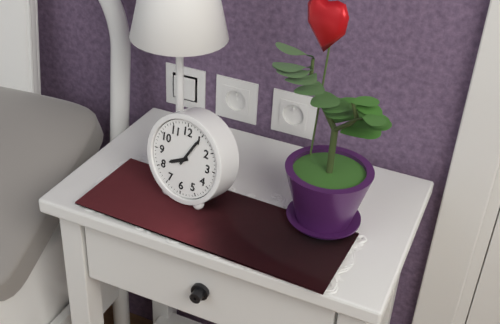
8:05
